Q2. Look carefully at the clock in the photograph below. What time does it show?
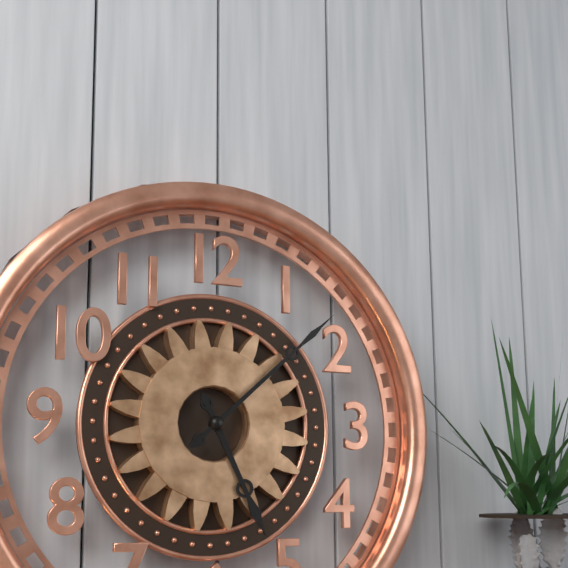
5:08
